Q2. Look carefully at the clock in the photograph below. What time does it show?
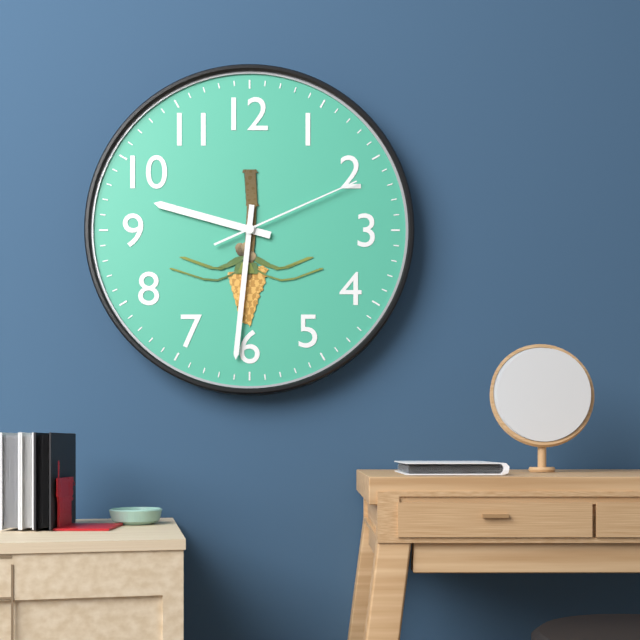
9:31:11
